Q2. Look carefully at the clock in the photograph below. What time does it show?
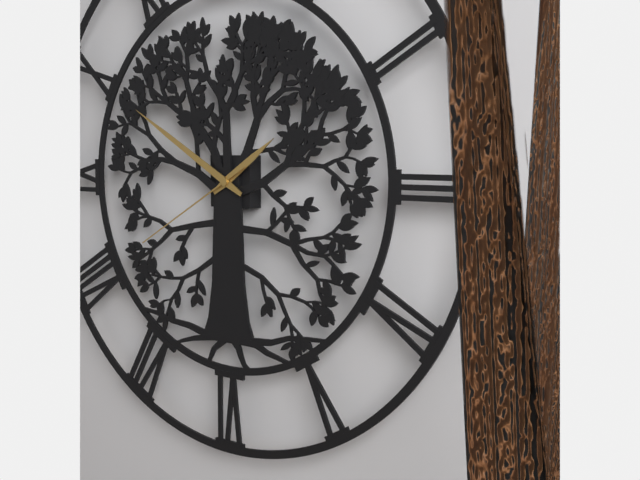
1:50:40
